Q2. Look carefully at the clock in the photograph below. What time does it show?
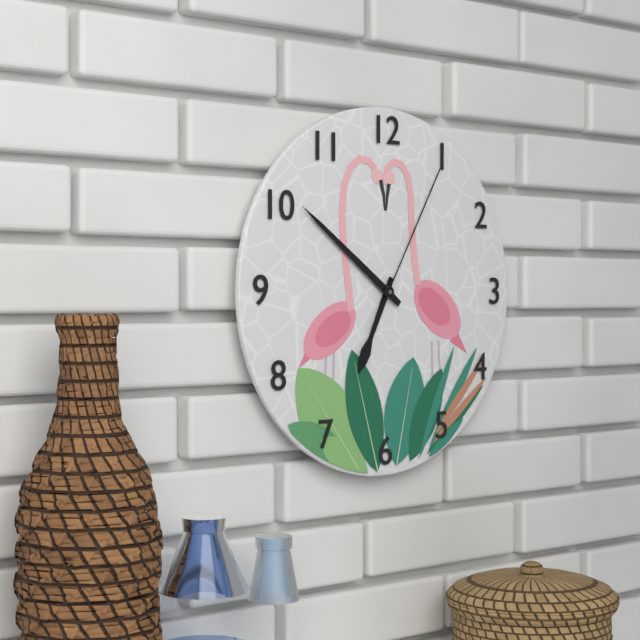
6:51:05
